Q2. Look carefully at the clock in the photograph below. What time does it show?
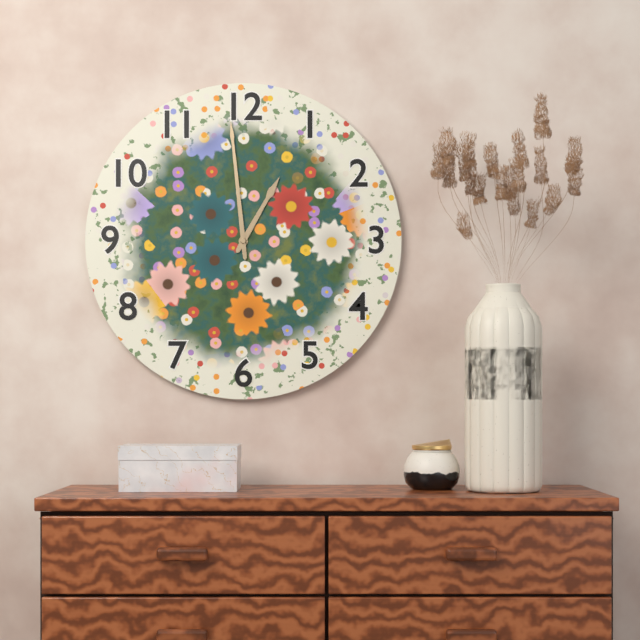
12:59
